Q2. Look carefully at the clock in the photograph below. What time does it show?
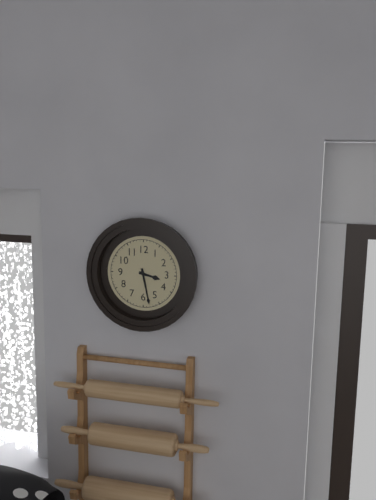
3:28
